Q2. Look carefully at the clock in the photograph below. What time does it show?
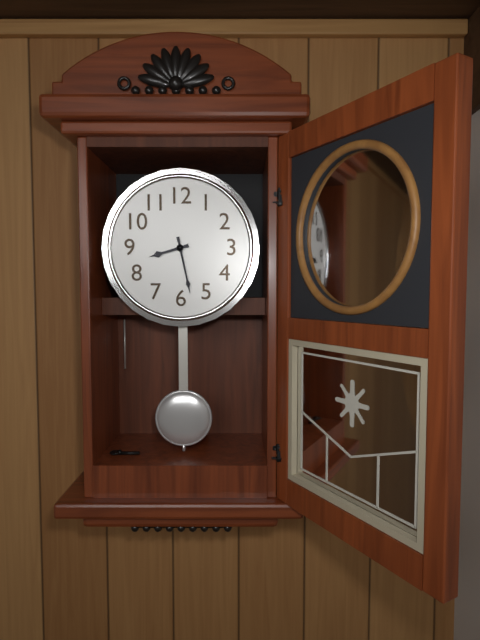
8:28
